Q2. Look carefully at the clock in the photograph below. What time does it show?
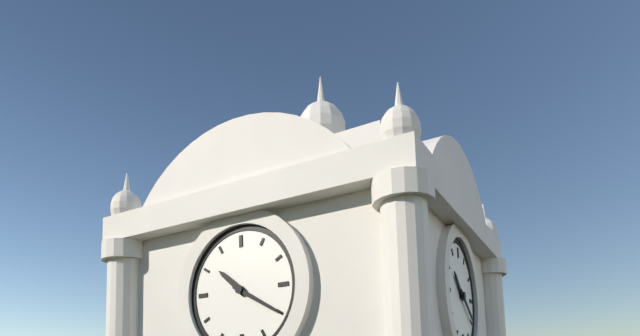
10:20
